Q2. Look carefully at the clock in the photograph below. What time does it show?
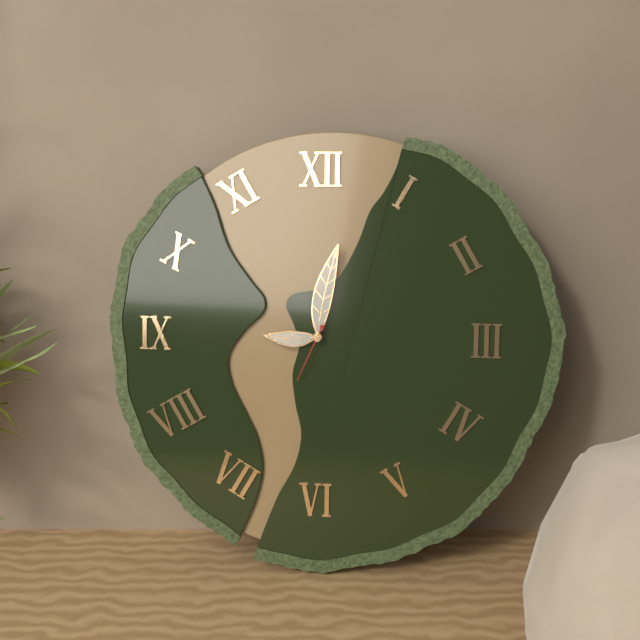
9:02:34
